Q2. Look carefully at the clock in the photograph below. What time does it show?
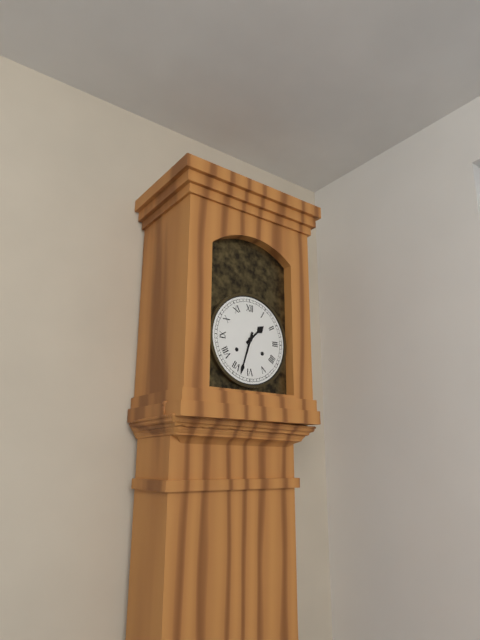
1:33
